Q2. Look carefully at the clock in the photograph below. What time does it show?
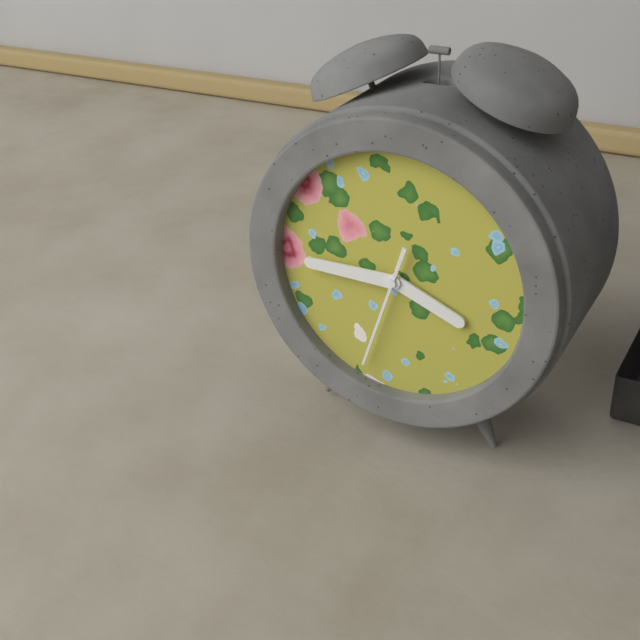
3:45:33
